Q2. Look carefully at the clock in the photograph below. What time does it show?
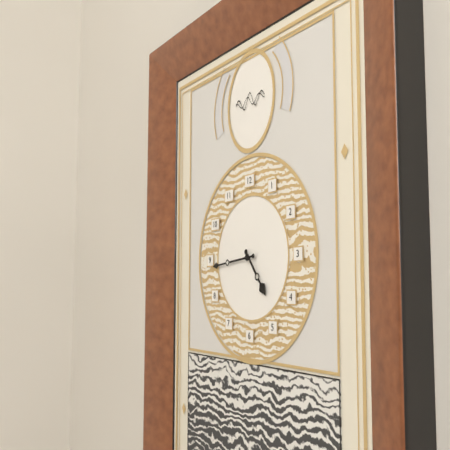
4:44
